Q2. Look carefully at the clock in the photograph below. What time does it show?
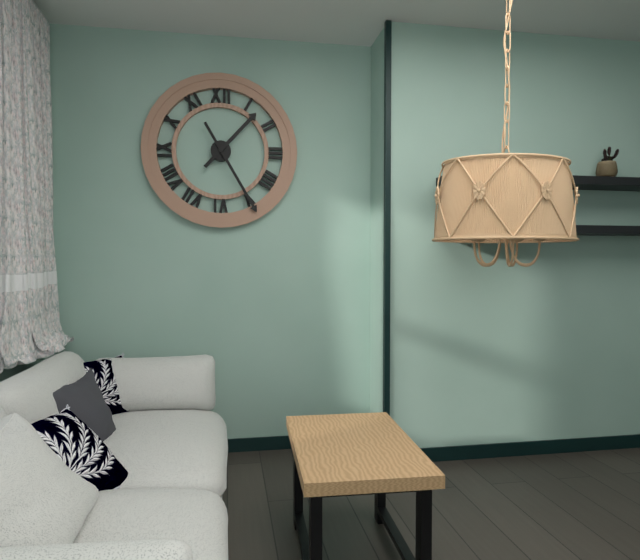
1:25
